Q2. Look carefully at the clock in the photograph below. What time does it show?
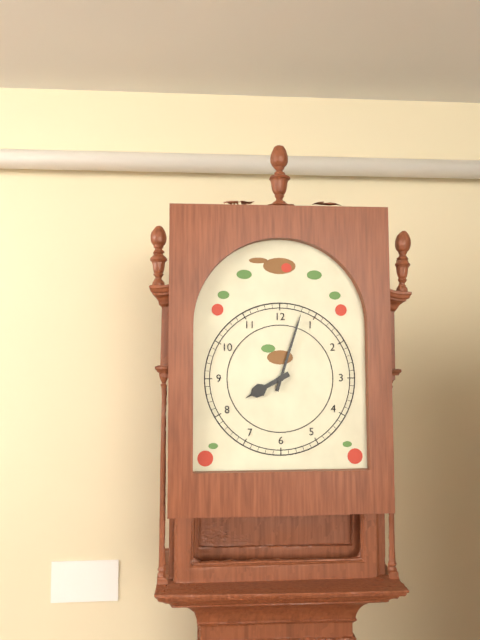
8:03
